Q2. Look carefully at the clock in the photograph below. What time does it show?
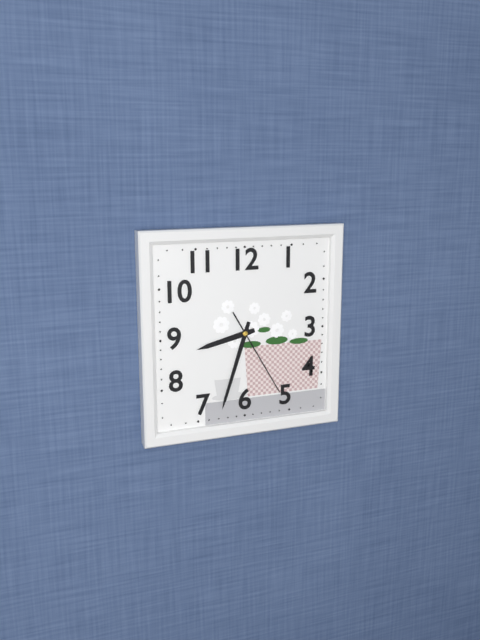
8:33:25
